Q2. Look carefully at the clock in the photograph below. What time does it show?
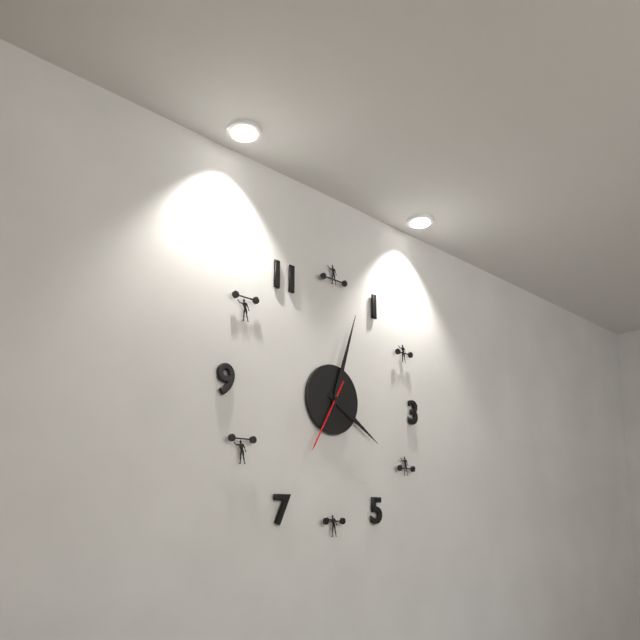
4:03:35
